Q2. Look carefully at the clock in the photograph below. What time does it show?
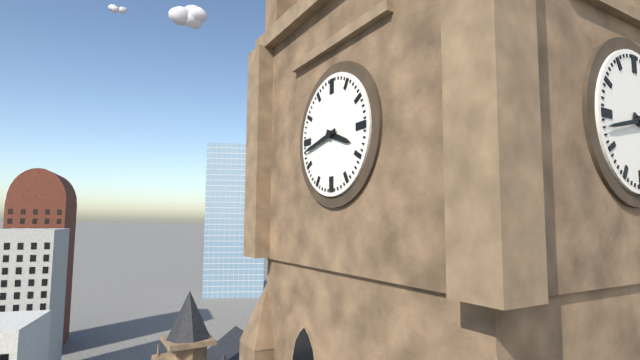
3:43
